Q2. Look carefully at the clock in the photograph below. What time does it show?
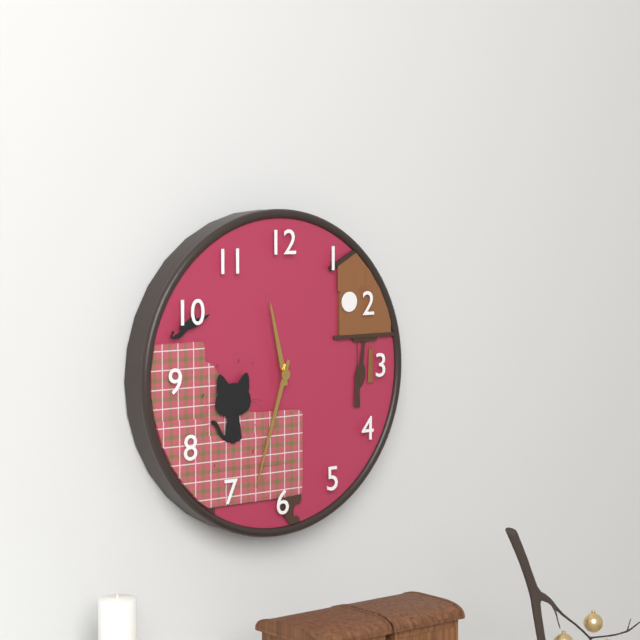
11:33
